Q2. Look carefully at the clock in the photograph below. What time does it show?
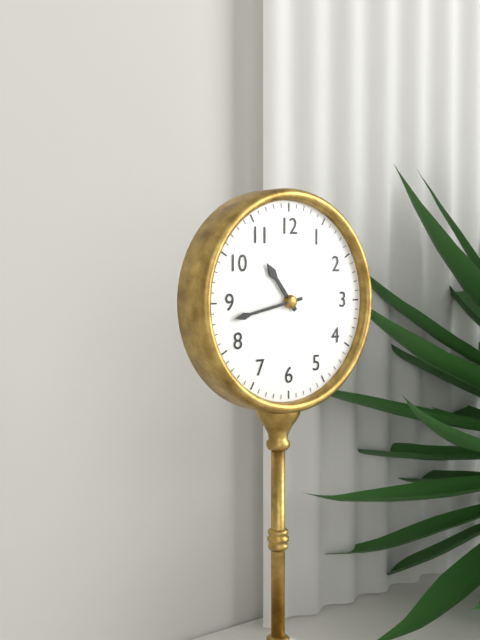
10:43
